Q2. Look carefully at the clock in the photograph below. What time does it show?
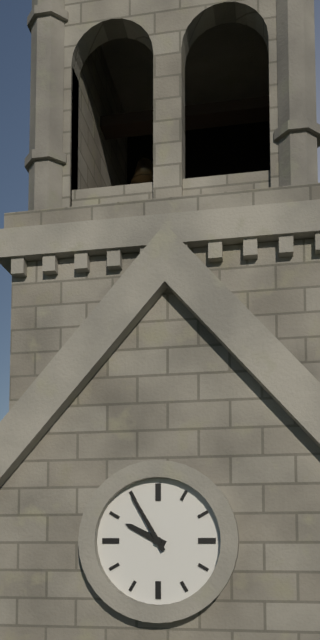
9:55
